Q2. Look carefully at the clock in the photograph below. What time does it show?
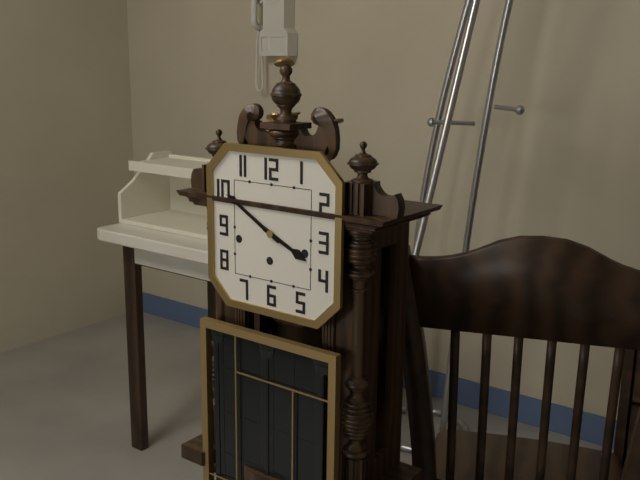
3:50
